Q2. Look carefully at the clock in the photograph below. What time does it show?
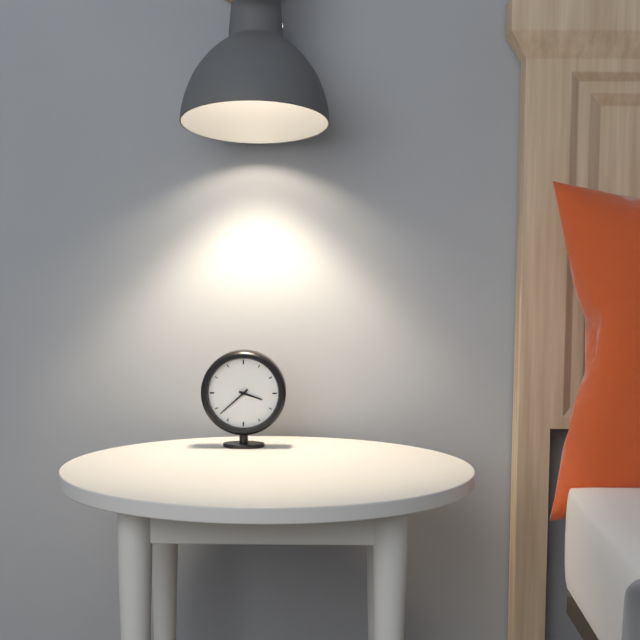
3:38
